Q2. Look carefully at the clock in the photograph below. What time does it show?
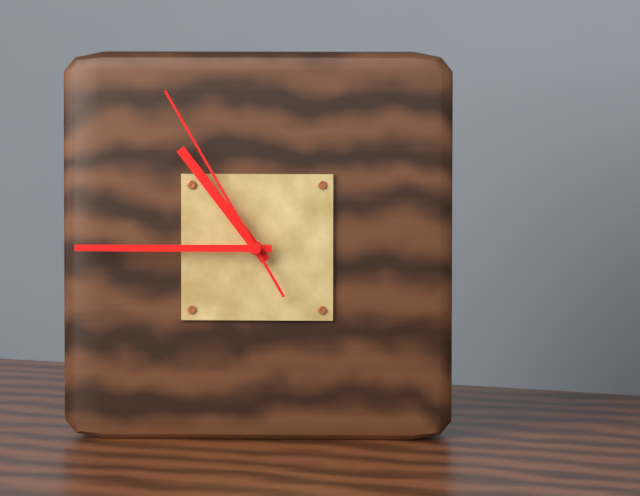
10:45:55
